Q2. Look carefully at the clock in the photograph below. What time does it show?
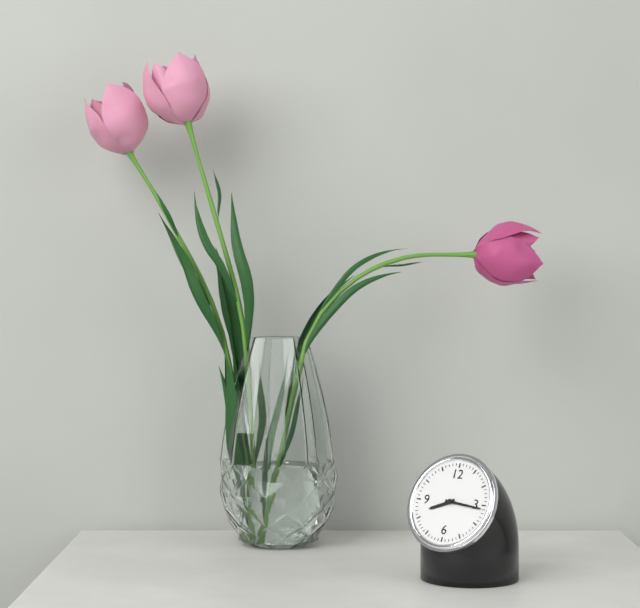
8:16
